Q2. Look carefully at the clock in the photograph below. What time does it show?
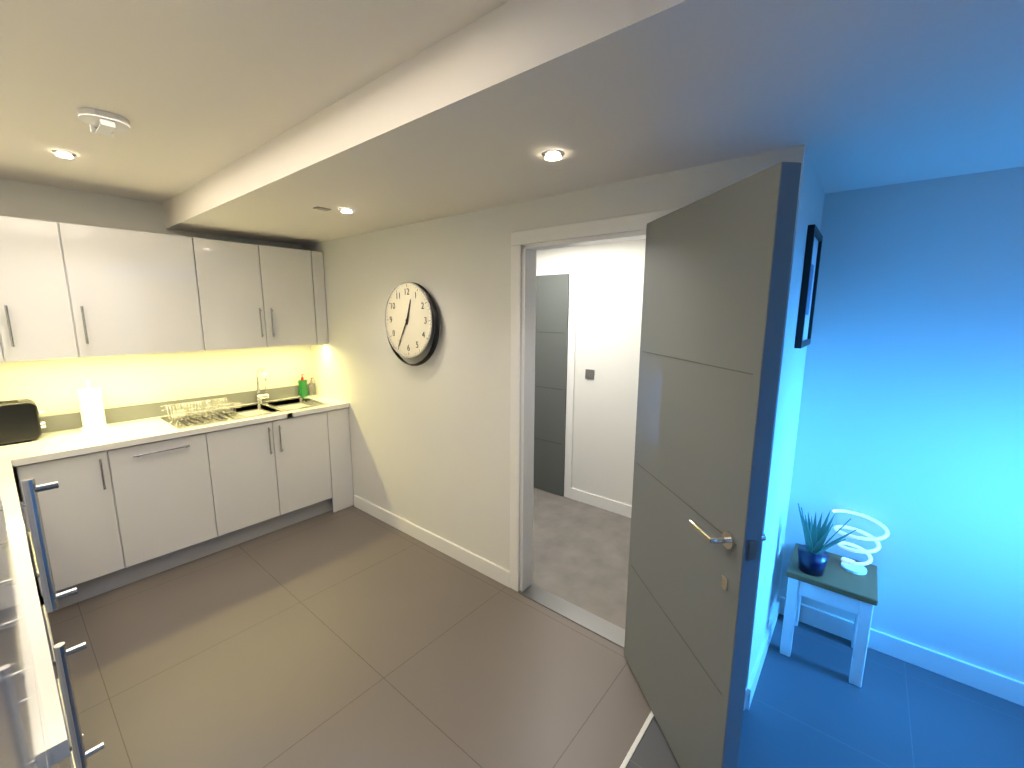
12:35
